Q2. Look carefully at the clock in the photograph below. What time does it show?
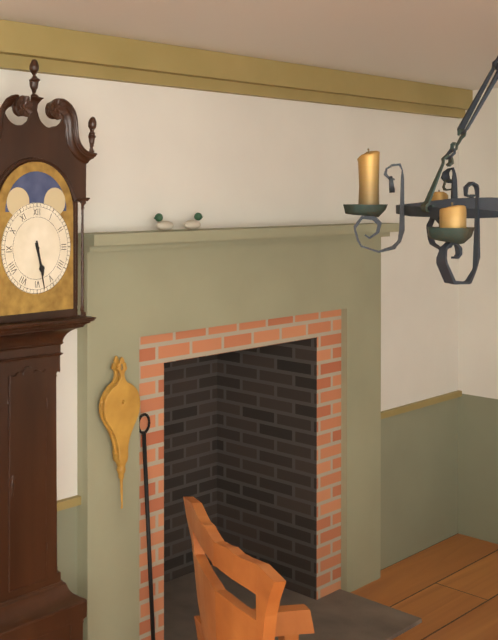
5:28
